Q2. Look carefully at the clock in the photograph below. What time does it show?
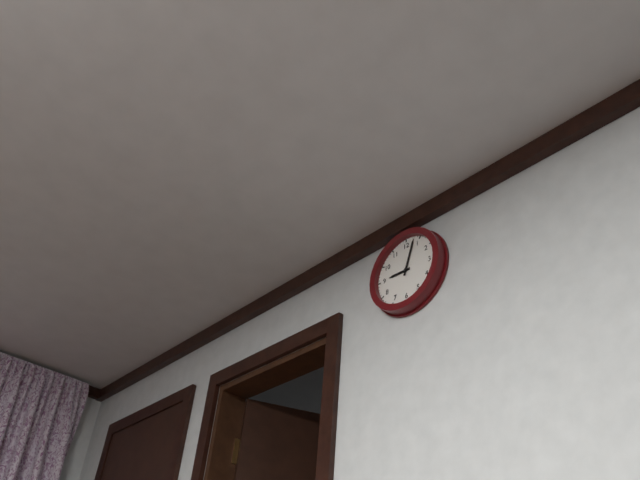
9:03
